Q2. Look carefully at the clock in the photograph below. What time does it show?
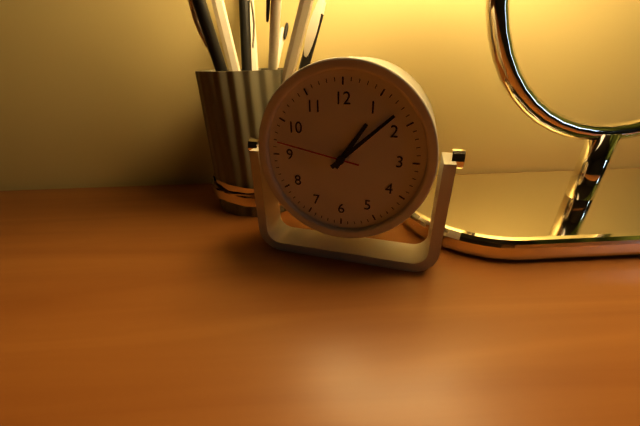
1:08:47
